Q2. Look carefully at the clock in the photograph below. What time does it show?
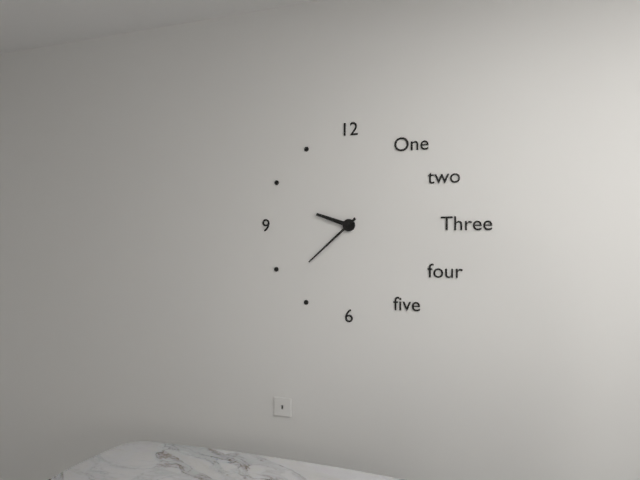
9:38
